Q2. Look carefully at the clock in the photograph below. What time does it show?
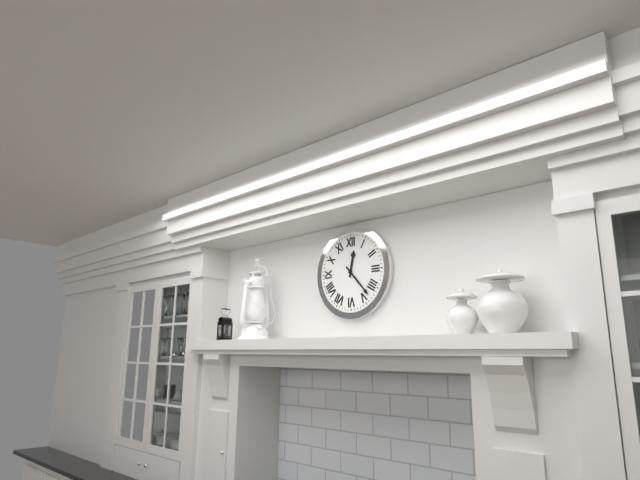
12:23
